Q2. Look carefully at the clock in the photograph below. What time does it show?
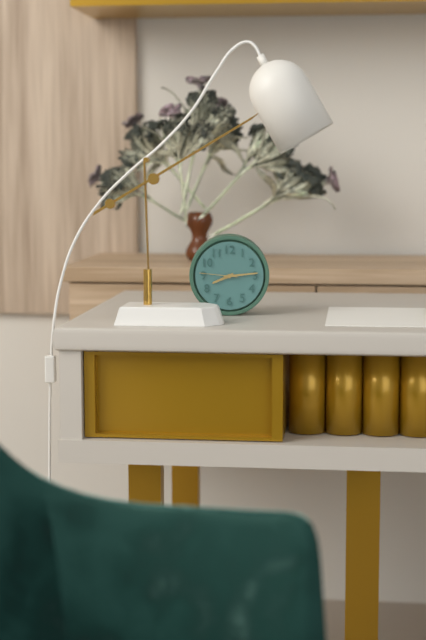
8:14
